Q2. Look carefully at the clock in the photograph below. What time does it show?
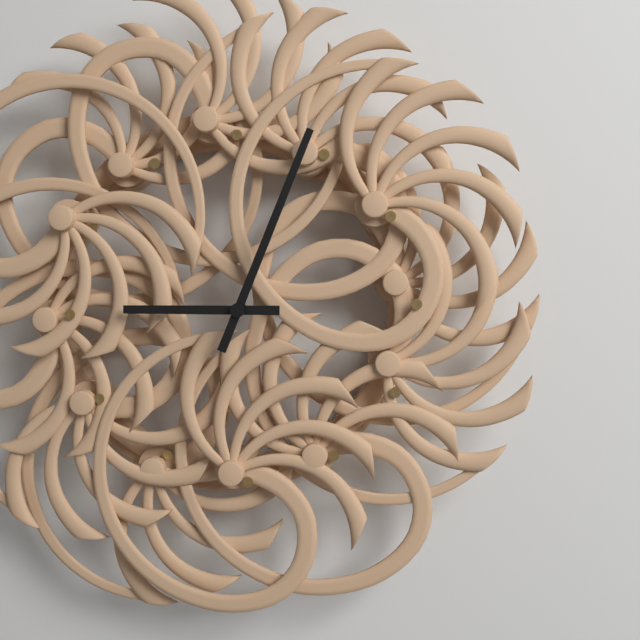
9:04
